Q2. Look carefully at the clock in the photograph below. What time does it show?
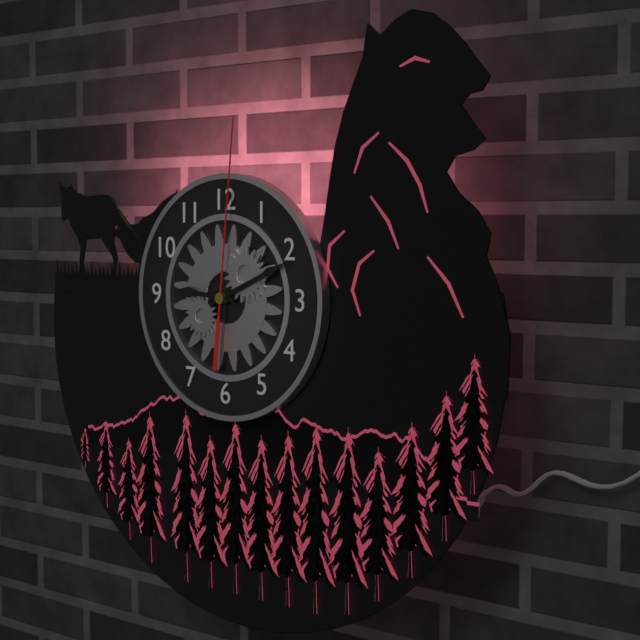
9:11:01
